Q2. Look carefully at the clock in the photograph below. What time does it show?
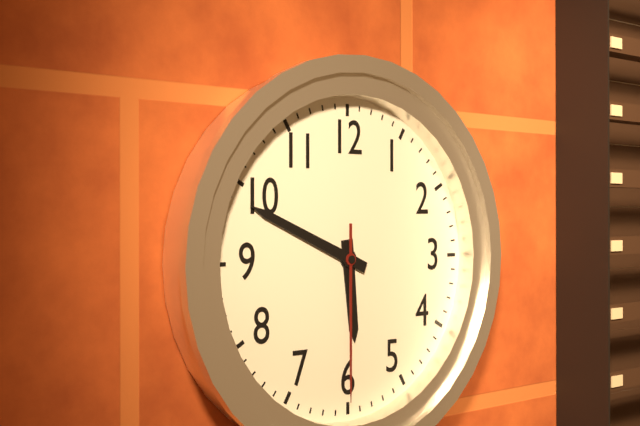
5:49:30
